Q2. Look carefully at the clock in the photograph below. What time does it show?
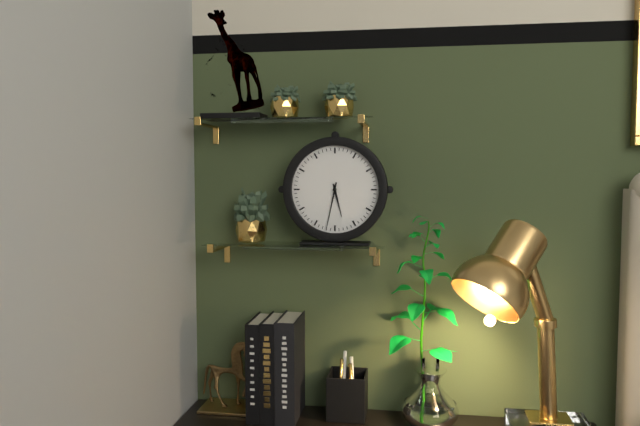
5:32
